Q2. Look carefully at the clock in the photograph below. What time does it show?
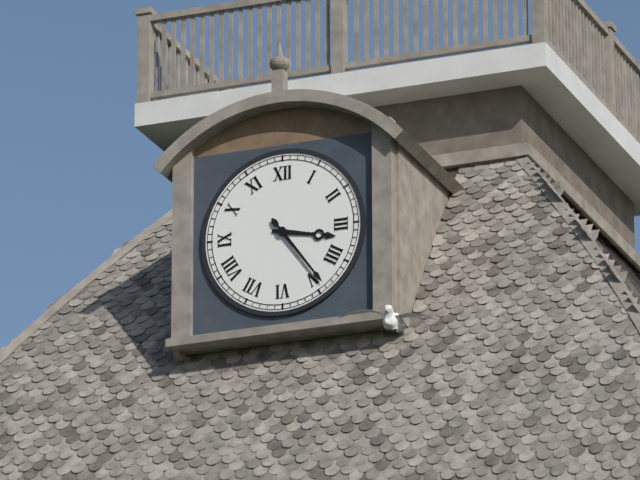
3:24
